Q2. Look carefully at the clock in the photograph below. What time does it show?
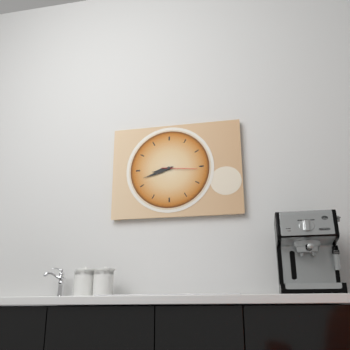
8:42
